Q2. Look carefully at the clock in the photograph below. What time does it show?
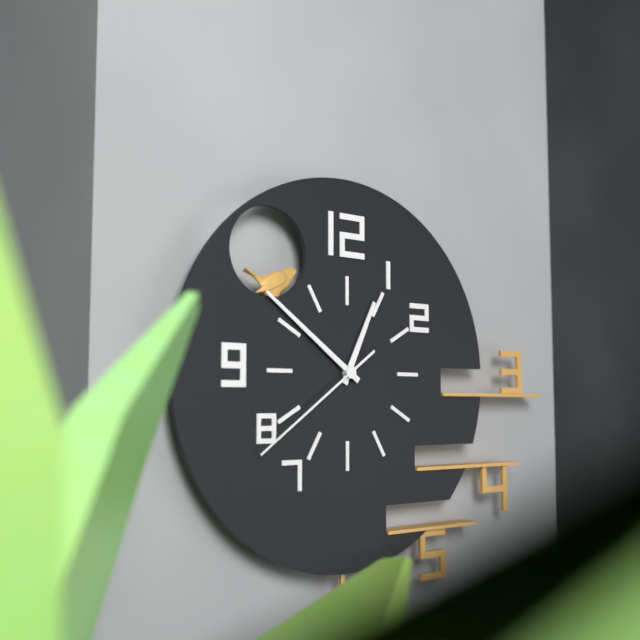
12:51:39
